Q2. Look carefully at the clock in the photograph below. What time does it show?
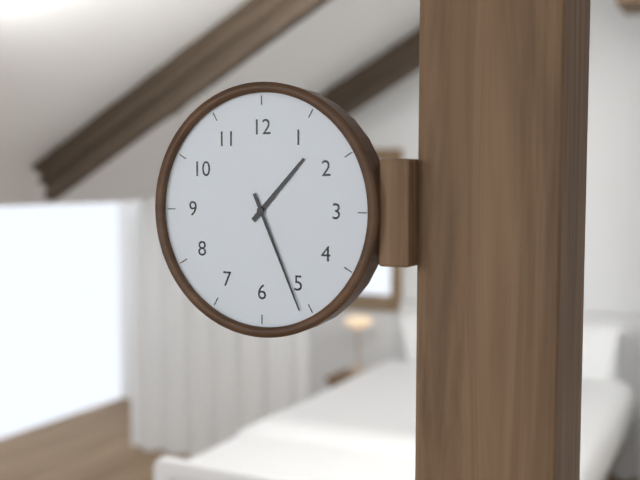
1:26
